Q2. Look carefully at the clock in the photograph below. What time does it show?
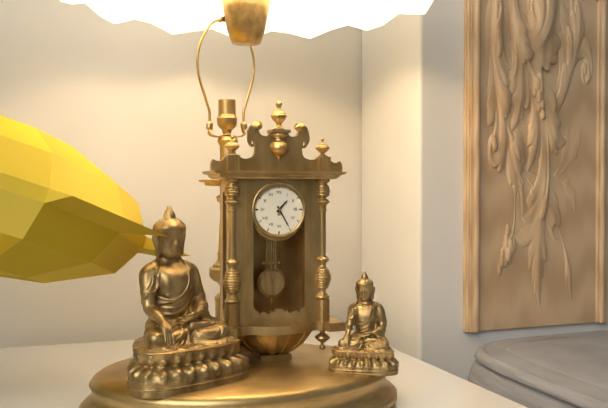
1:25
